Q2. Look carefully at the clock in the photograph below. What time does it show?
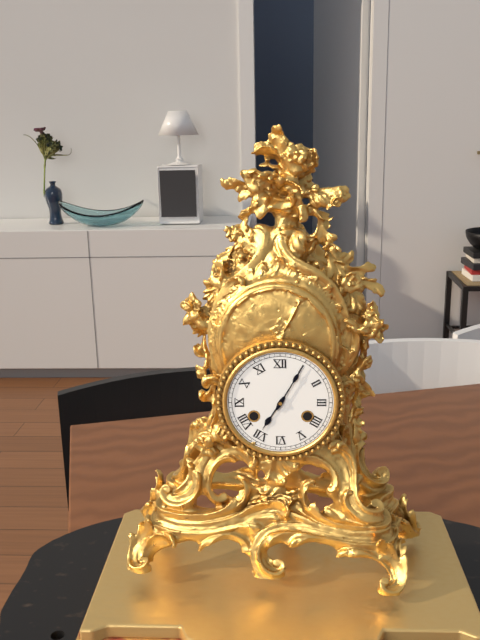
7:05
